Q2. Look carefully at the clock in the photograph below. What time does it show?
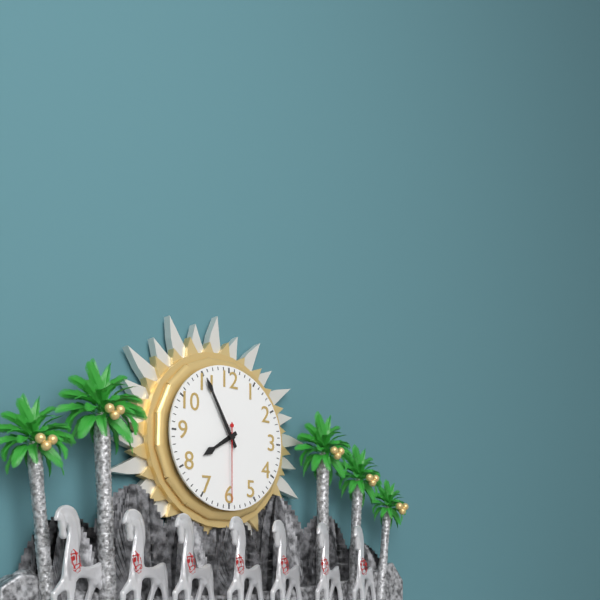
7:55:30
